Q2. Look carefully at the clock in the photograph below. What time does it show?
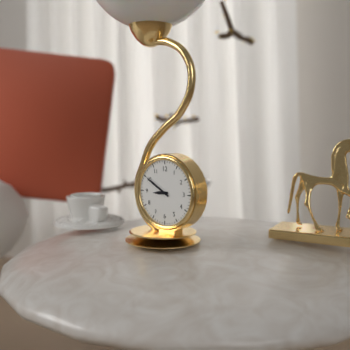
8:50
